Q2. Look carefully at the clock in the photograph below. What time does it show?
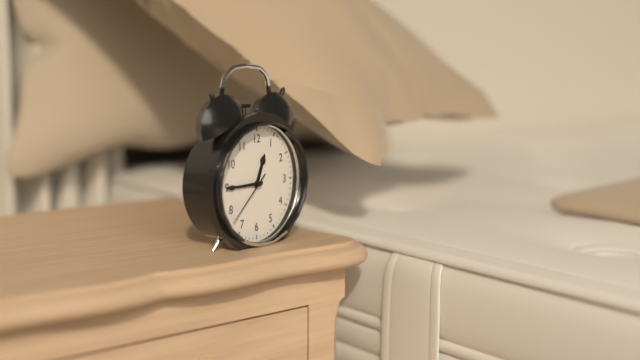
12:45:38
